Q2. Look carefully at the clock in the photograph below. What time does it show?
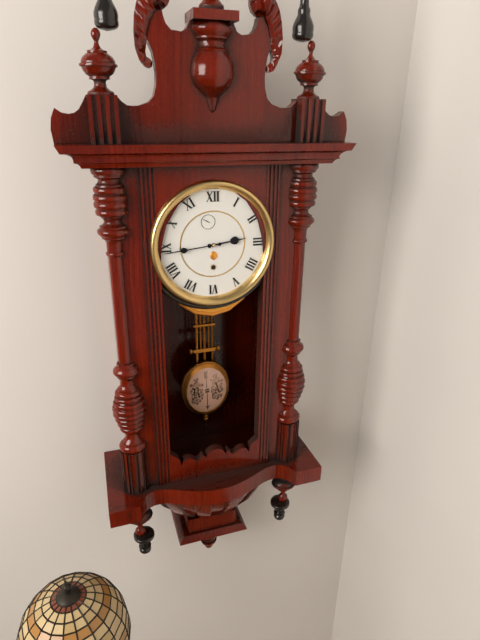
2:44
